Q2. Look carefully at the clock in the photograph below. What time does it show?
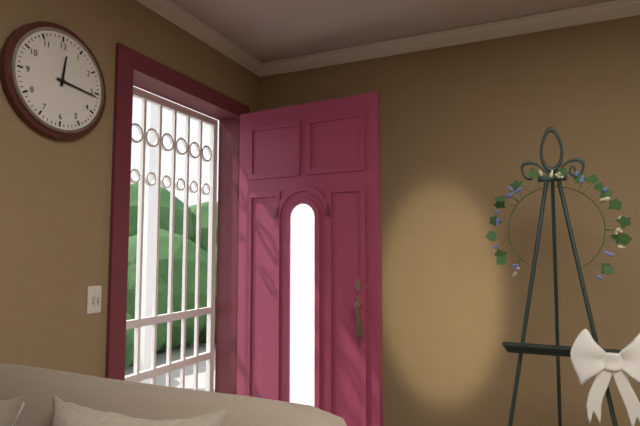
12:16
